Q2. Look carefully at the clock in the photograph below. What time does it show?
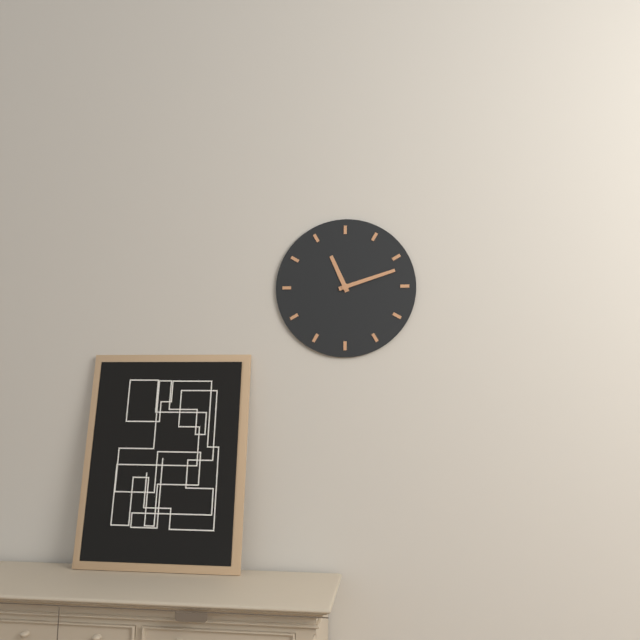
11:12
